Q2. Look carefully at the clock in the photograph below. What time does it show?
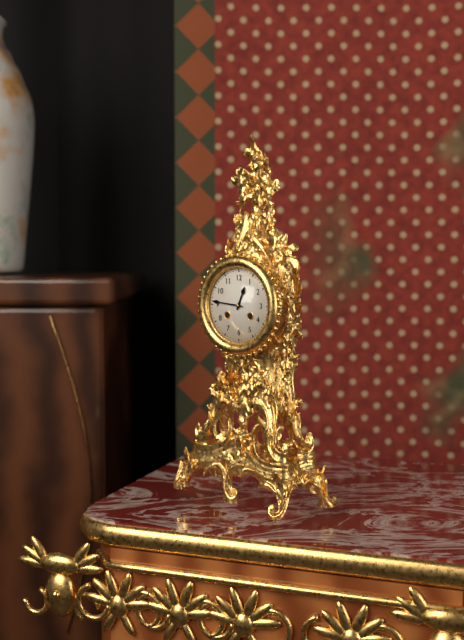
12:46
